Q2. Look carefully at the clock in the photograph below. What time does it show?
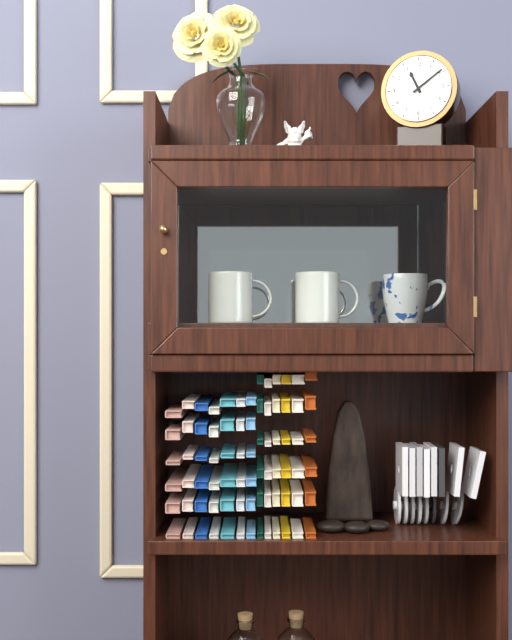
11:09
